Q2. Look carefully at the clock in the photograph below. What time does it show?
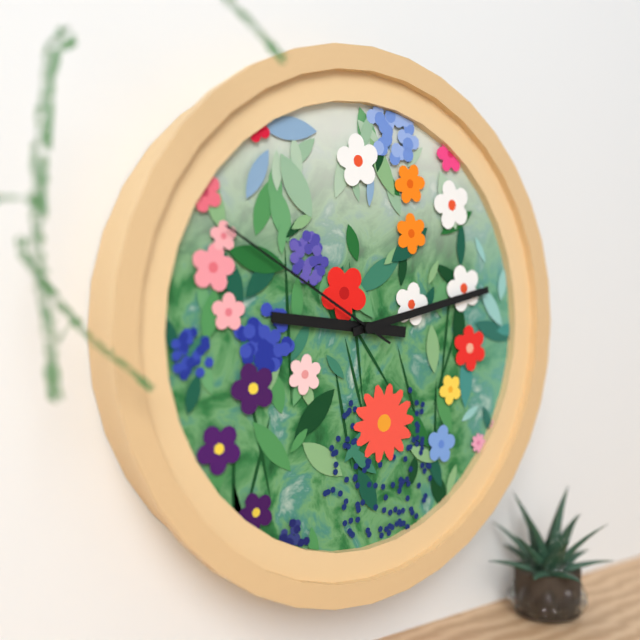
9:13:50
